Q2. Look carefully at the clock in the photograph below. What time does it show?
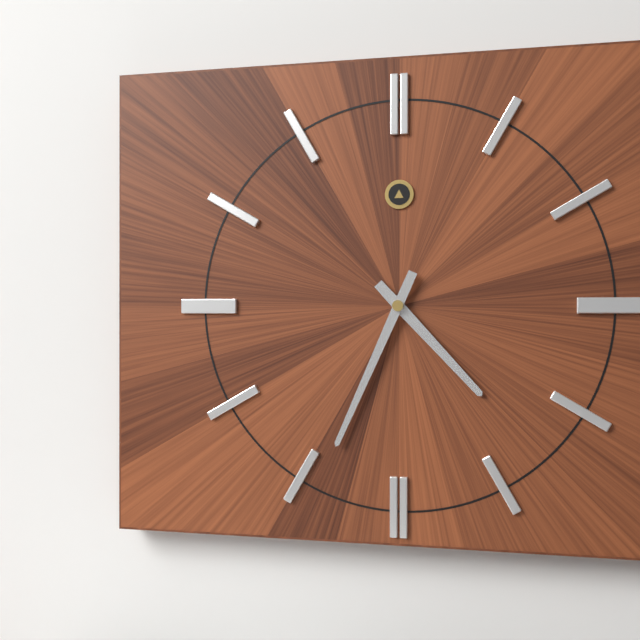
4:34
